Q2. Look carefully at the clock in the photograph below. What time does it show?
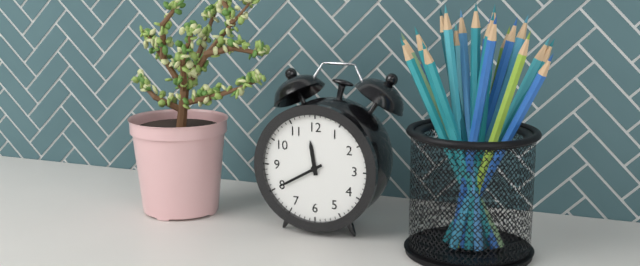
11:40
